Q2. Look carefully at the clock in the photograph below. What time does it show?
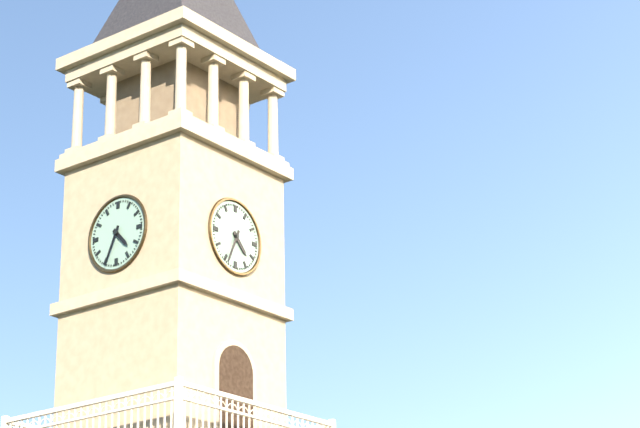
4:34
